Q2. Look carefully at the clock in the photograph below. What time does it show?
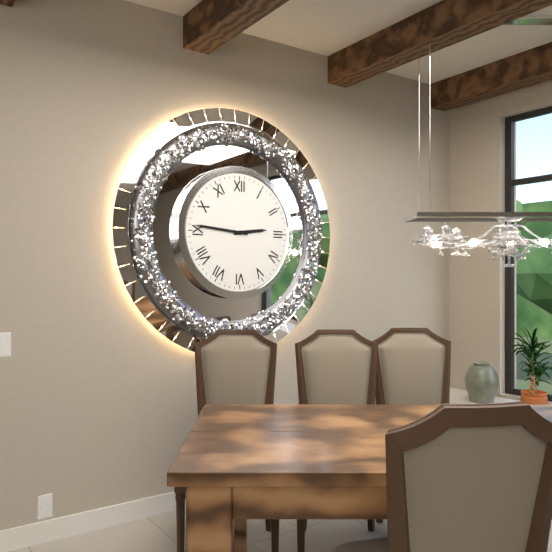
2:46
